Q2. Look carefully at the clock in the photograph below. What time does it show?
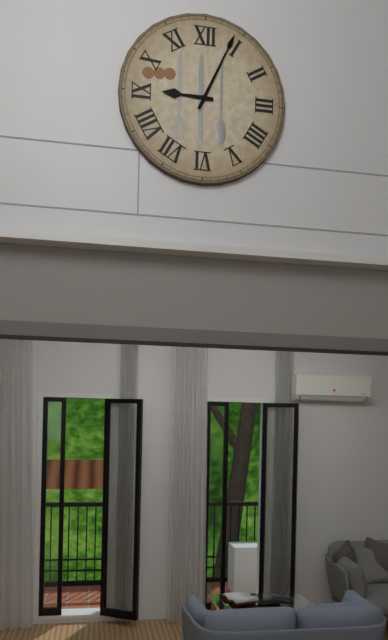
9:04
